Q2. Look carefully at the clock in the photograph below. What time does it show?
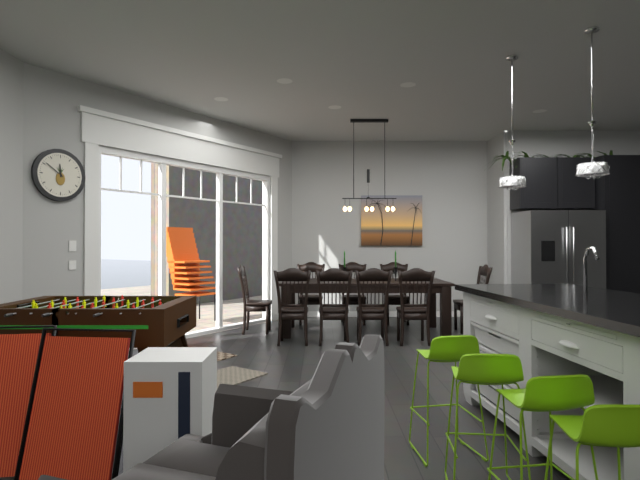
11:51
